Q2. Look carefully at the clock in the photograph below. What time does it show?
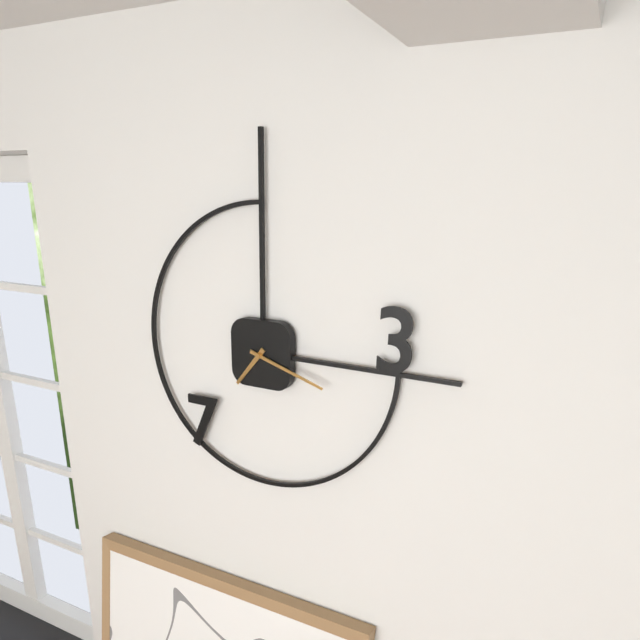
7:18
